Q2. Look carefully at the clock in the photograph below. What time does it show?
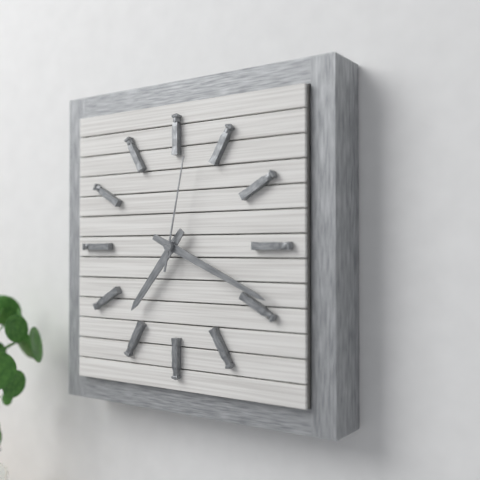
7:19:02
